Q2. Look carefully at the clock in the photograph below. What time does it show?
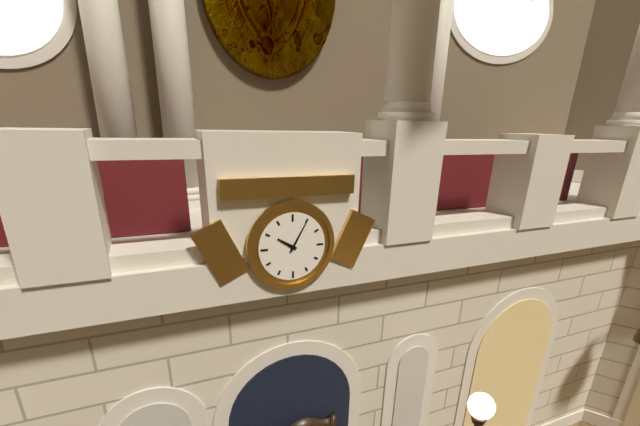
10:05
